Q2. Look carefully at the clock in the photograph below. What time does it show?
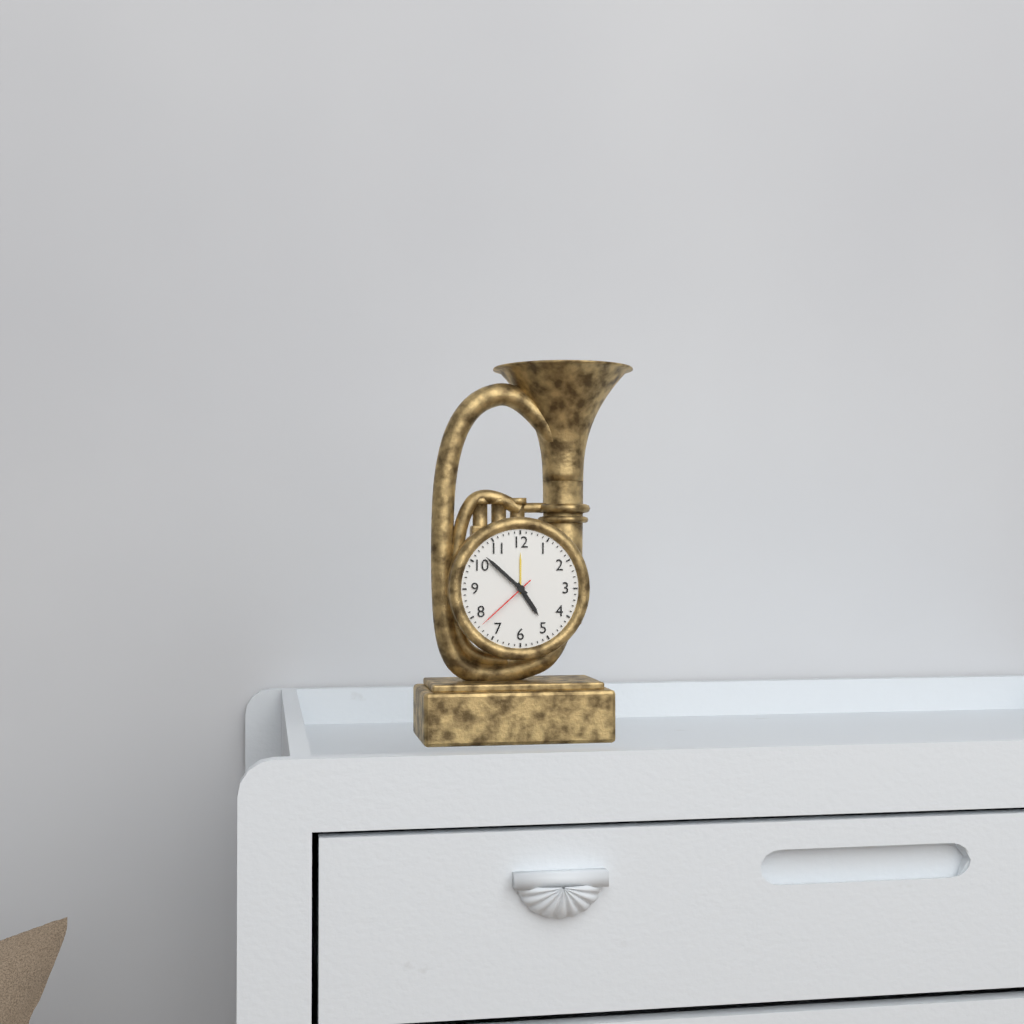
4:52:38
